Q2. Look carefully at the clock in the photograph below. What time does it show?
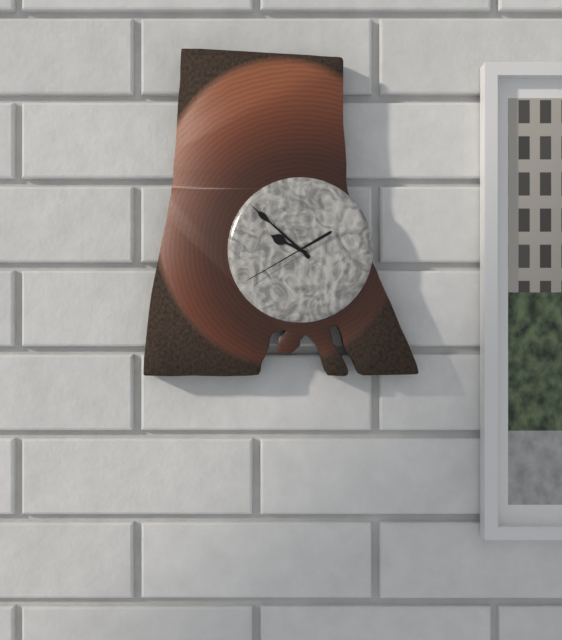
9:52:40
